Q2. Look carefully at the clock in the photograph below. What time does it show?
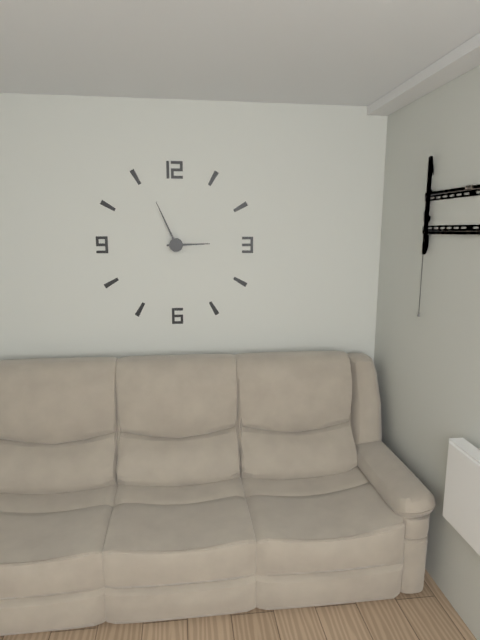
2:56
